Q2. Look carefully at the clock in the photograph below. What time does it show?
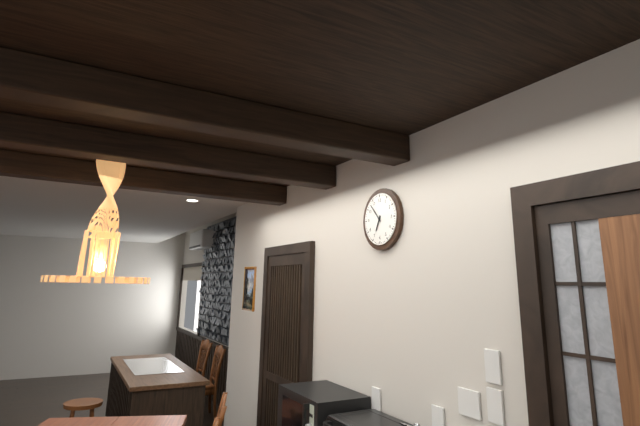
6:53
